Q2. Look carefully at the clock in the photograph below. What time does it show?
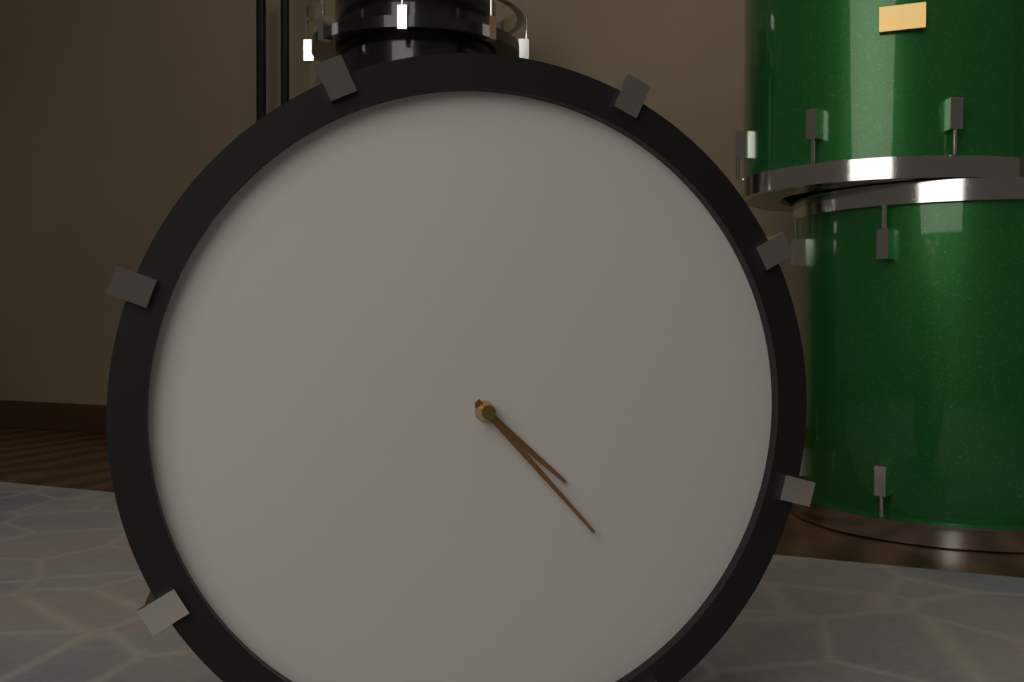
4:23
